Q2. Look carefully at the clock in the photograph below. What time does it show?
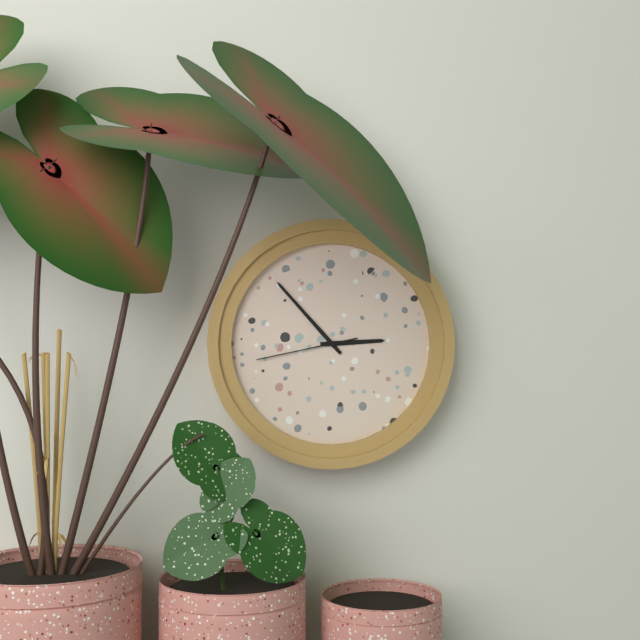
2:53:43
